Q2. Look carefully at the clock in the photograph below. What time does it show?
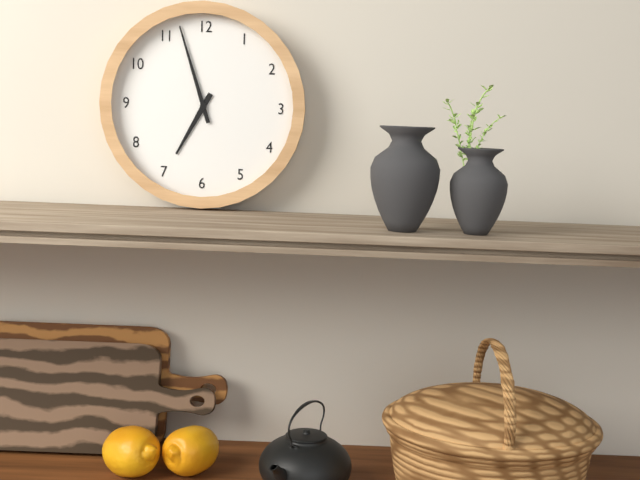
6:57
